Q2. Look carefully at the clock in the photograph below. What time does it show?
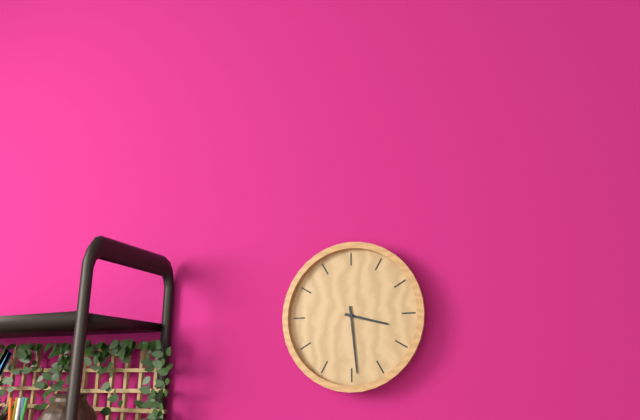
3:29
